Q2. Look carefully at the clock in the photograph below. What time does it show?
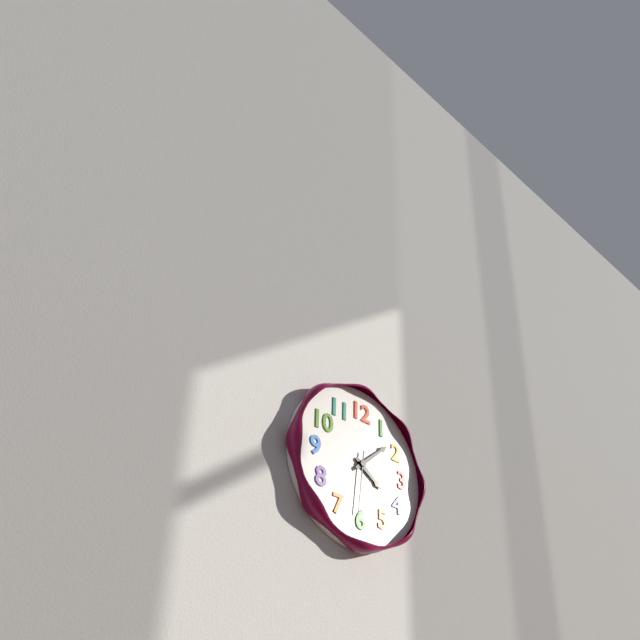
4:08:31
